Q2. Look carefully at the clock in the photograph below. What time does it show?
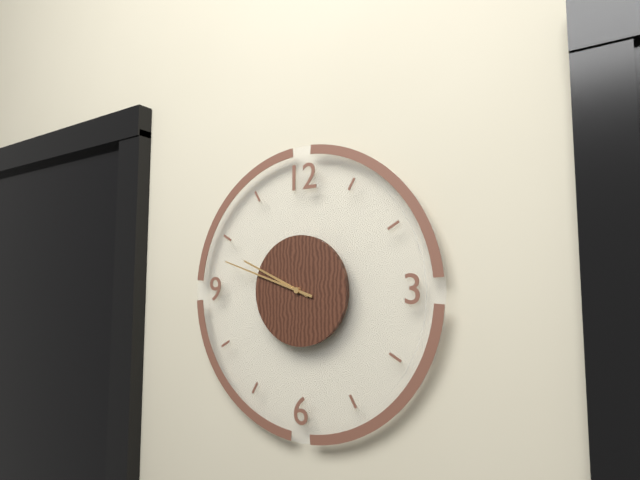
9:48
